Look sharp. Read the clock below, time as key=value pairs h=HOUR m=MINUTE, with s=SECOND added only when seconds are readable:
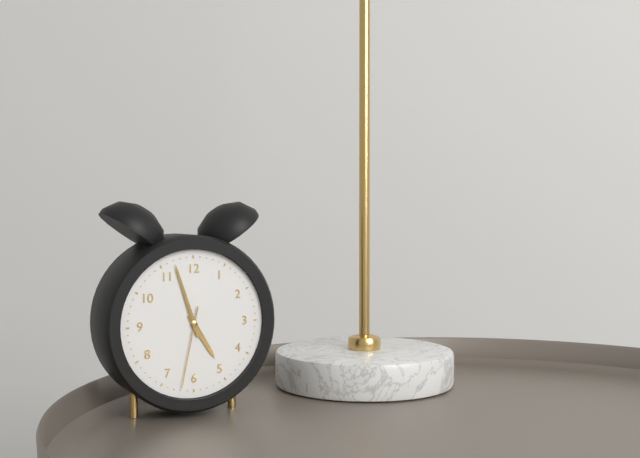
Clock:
h=4 m=57 s=32
